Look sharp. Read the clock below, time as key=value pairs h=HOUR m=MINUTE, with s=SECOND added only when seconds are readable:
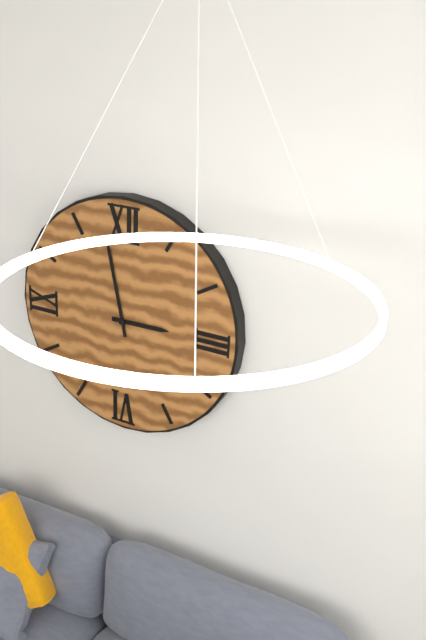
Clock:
h=2 m=58
